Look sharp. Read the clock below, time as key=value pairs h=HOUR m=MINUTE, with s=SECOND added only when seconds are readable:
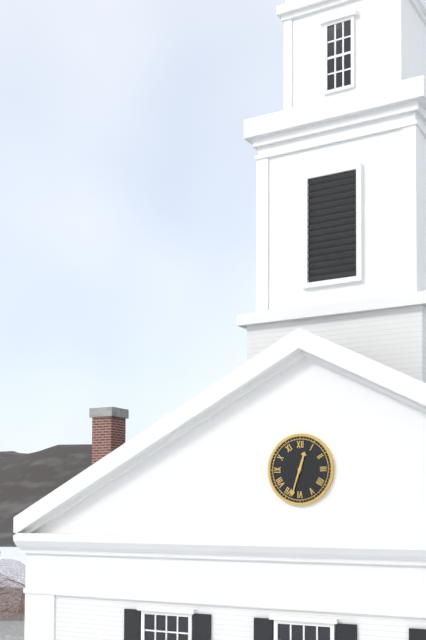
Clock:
h=12 m=33
